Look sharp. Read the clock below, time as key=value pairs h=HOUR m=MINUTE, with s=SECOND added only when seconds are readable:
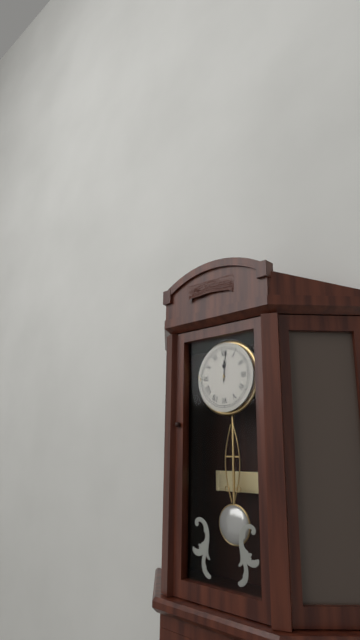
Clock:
h=12 m=1
